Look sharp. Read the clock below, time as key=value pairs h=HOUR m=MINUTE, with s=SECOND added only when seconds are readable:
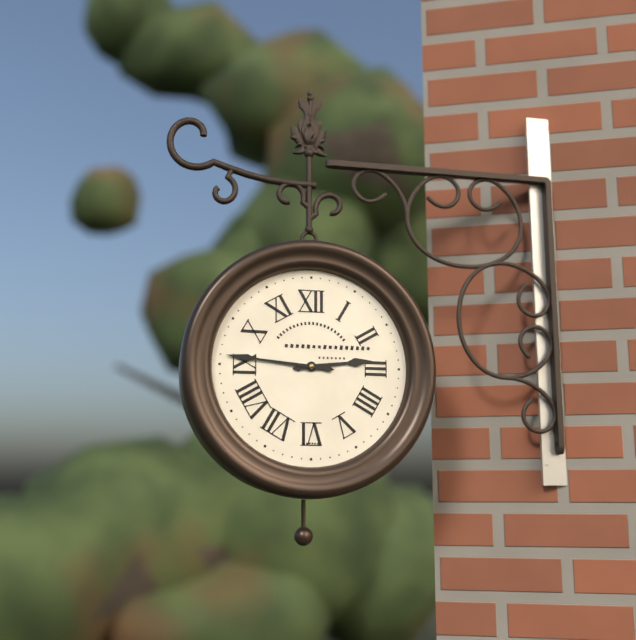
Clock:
h=2 m=46
